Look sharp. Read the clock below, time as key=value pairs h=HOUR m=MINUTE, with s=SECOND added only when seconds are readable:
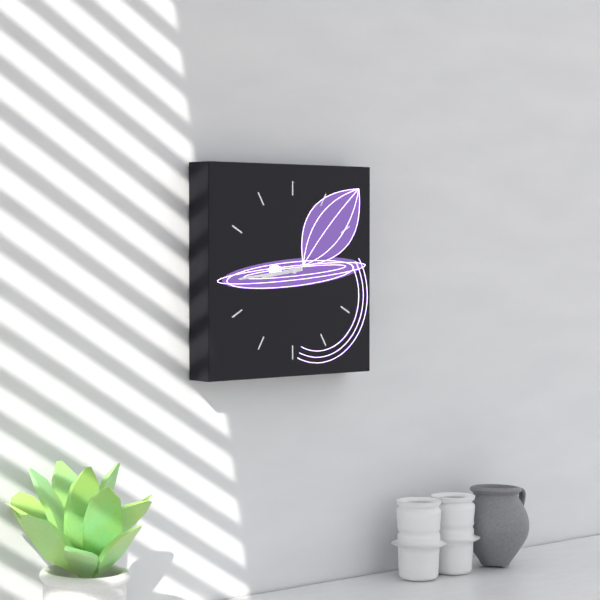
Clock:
h=8 m=44
